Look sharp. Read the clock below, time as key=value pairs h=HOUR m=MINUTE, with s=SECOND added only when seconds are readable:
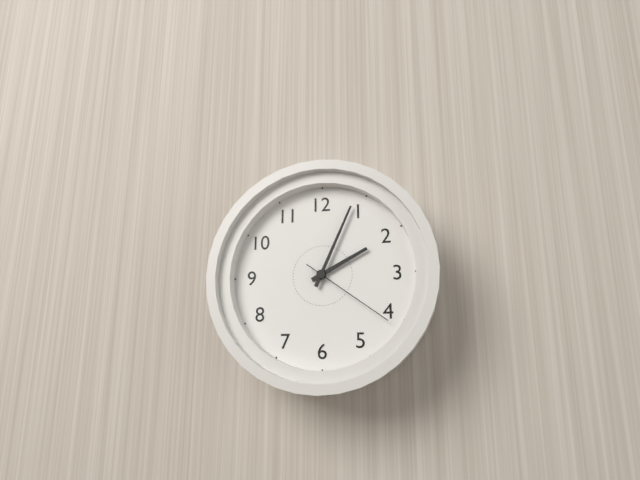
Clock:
h=2 m=4 s=21
